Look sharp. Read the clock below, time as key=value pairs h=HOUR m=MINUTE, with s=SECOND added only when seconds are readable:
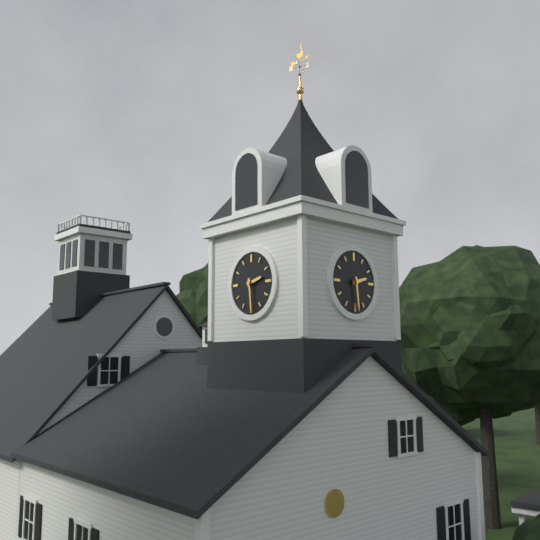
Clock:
h=2 m=29
